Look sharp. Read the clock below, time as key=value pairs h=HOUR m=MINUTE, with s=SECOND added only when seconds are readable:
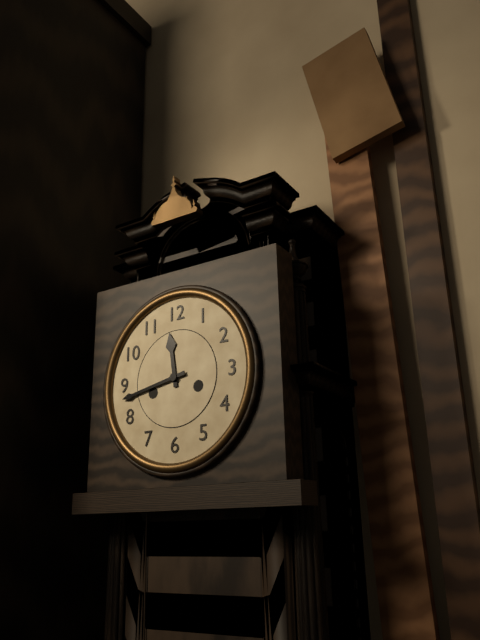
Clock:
h=11 m=43
